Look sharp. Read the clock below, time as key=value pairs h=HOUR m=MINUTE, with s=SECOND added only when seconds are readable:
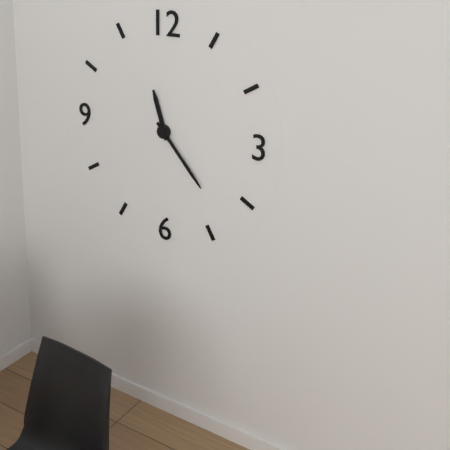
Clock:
h=11 m=23
